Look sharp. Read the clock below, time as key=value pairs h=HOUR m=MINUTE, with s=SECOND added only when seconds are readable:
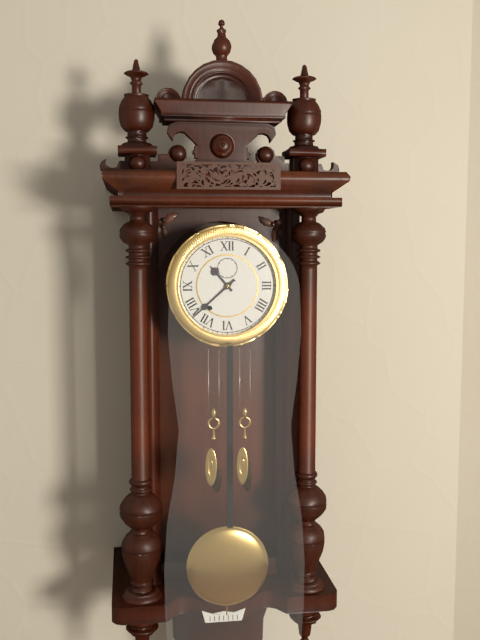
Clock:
h=10 m=38
